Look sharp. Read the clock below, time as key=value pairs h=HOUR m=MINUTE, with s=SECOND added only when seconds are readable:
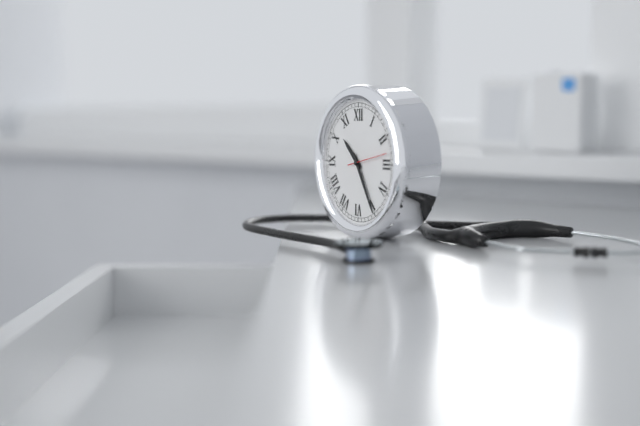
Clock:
h=10 m=25
